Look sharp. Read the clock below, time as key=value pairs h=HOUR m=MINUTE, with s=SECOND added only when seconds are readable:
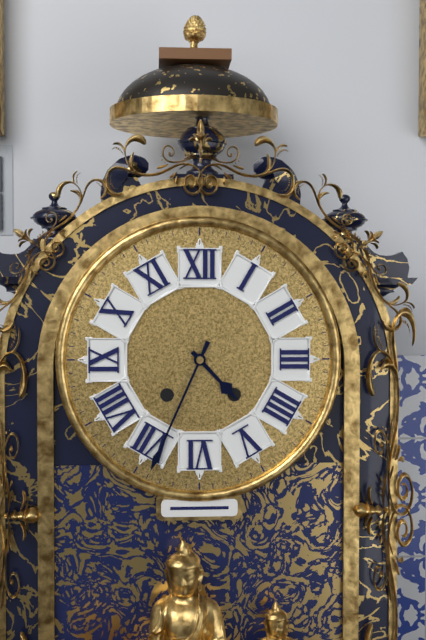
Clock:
h=4 m=34
